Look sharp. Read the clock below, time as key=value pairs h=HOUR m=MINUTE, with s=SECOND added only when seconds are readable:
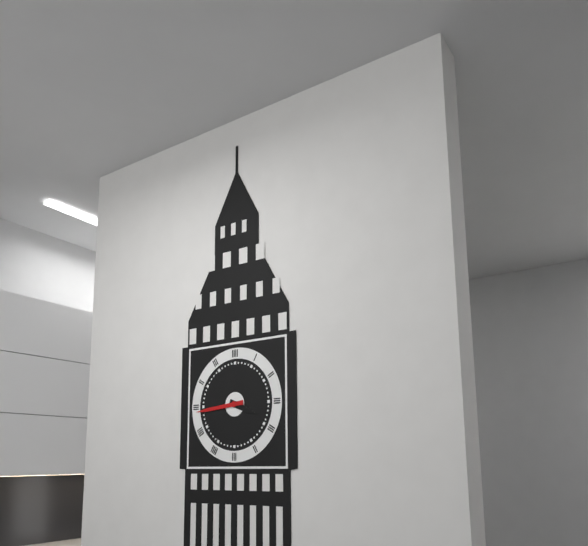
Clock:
h=3 m=44
